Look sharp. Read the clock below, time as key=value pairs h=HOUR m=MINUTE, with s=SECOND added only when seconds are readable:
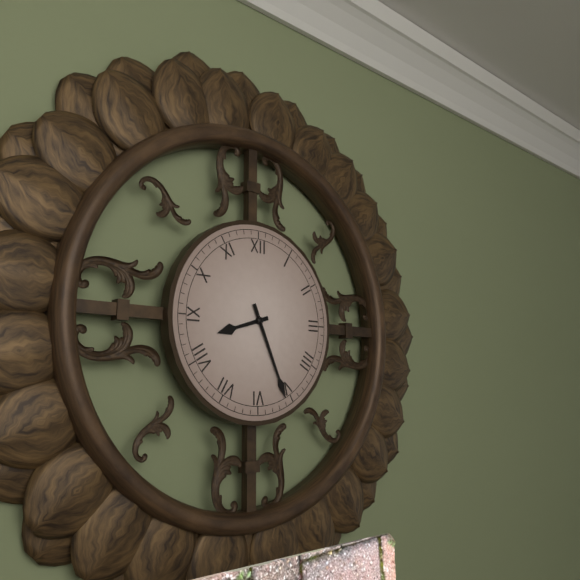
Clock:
h=8 m=26
